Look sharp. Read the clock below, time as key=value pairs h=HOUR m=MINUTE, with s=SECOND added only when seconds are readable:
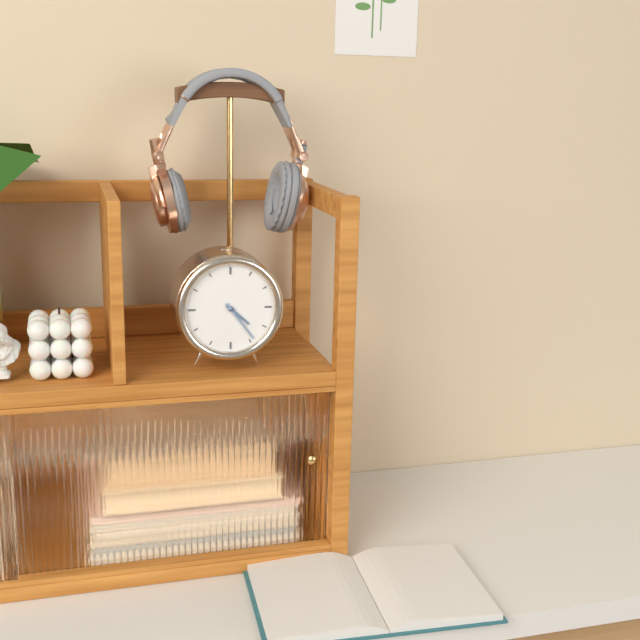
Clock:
h=4 m=24
